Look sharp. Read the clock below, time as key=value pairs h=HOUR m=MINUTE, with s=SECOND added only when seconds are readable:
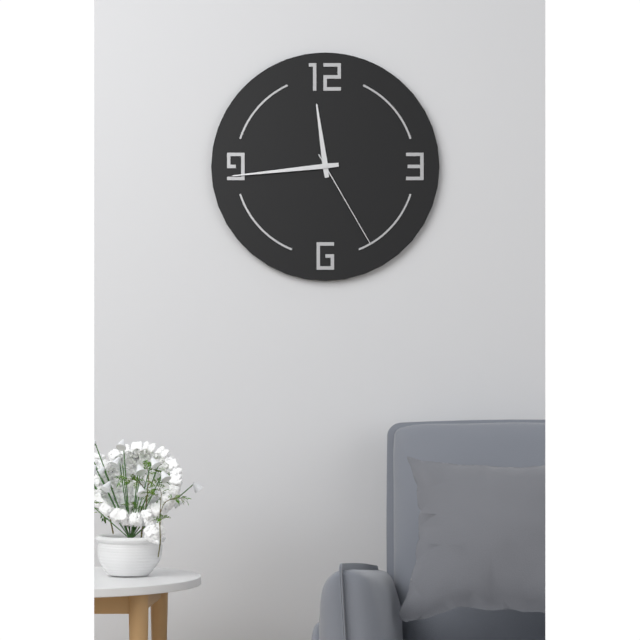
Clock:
h=11 m=44 s=25
